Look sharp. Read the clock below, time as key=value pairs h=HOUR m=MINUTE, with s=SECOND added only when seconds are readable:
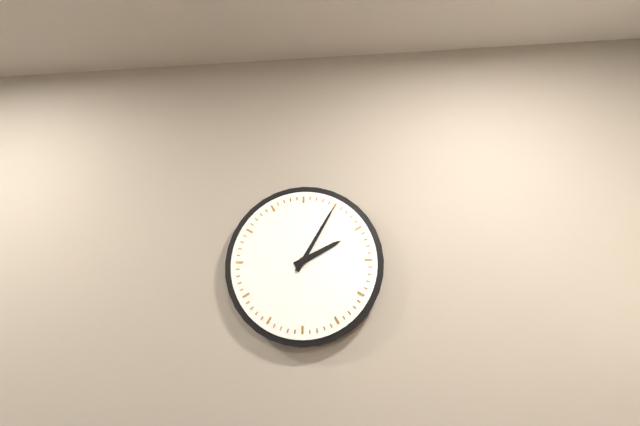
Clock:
h=2 m=5
